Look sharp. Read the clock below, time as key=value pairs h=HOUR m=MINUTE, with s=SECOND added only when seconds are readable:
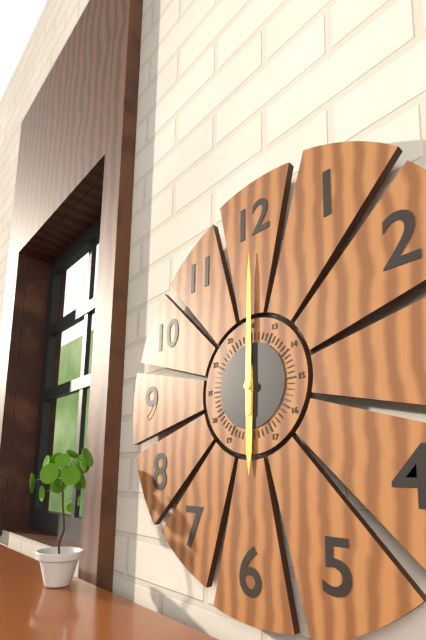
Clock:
h=6 m=0
